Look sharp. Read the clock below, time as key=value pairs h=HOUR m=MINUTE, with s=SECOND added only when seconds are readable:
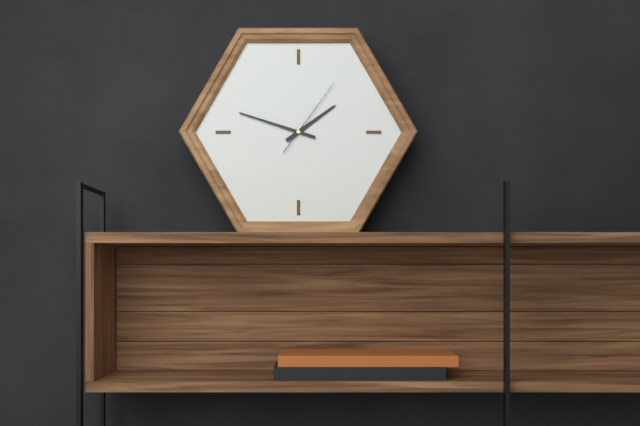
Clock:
h=1 m=48 s=6
